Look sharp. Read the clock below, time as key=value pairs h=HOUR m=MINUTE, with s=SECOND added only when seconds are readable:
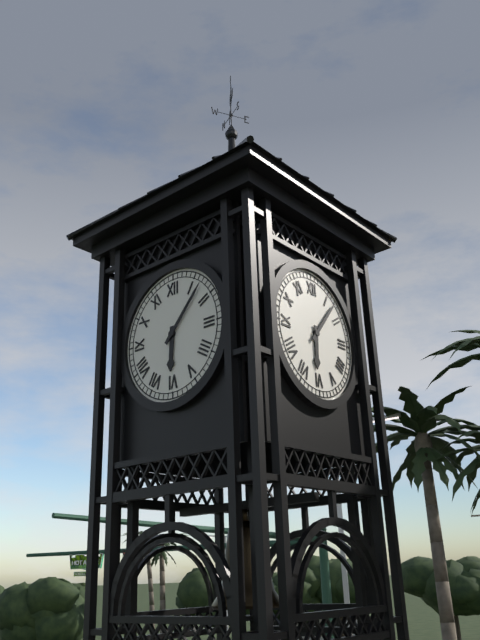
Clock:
h=6 m=7
